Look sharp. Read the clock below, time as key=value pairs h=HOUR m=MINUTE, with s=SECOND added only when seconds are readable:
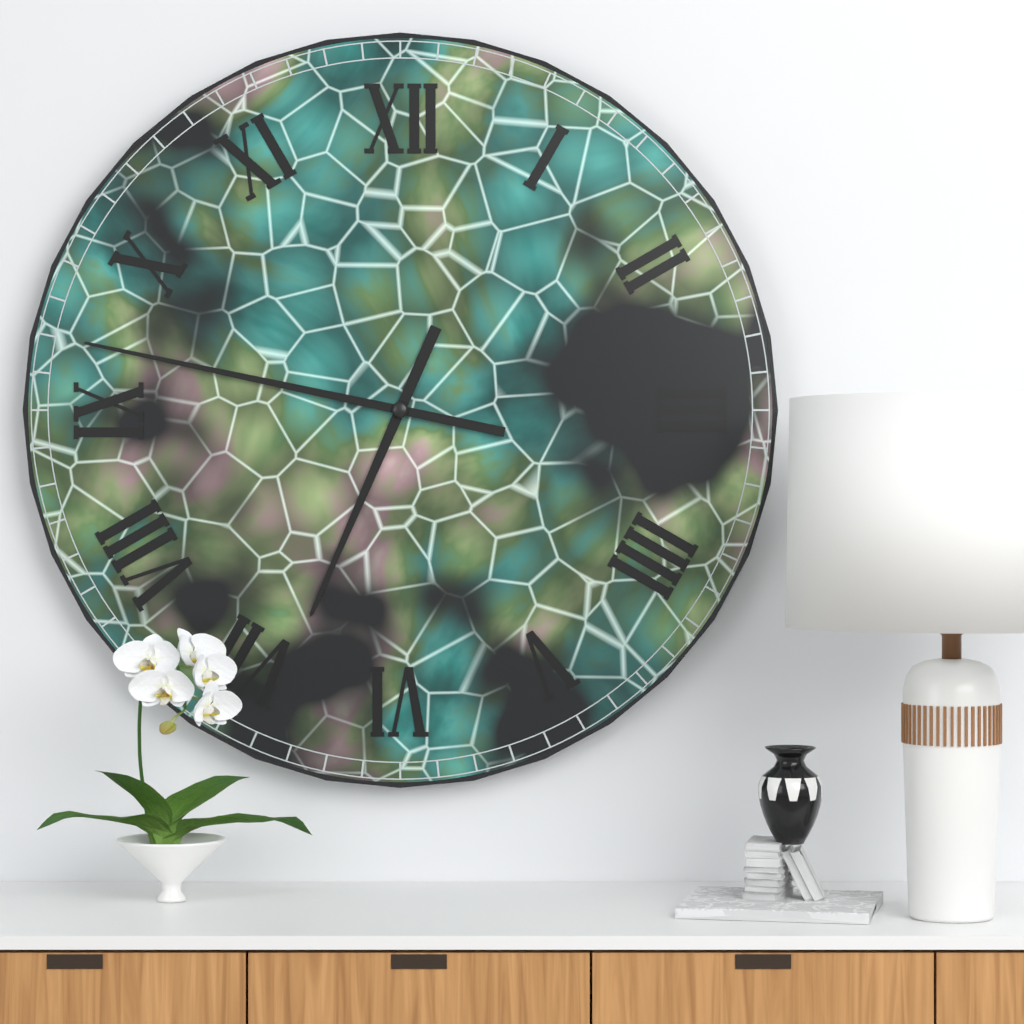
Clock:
h=6 m=47
